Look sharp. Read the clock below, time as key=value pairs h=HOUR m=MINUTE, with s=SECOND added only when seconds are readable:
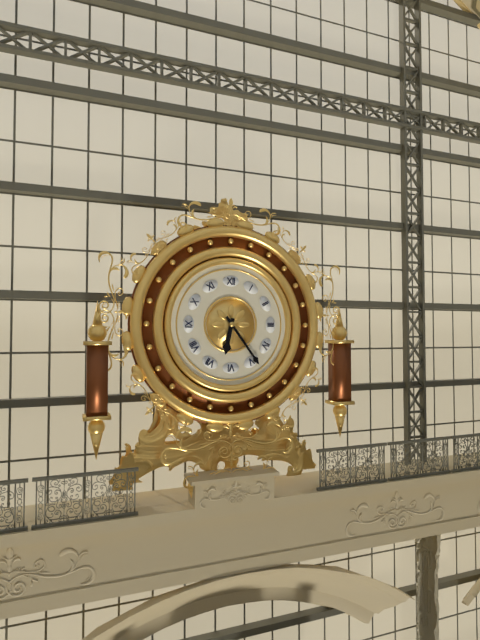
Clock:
h=6 m=24
